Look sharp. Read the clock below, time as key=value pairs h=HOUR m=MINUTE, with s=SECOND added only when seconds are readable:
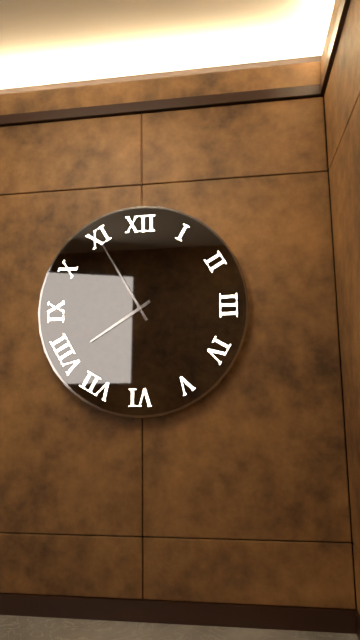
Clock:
h=7 m=55
